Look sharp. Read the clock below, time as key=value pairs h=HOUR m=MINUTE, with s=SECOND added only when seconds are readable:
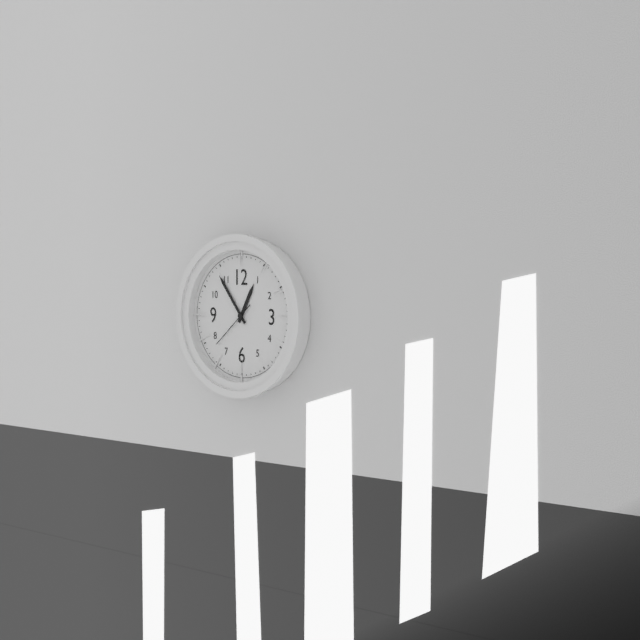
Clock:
h=12 m=54
